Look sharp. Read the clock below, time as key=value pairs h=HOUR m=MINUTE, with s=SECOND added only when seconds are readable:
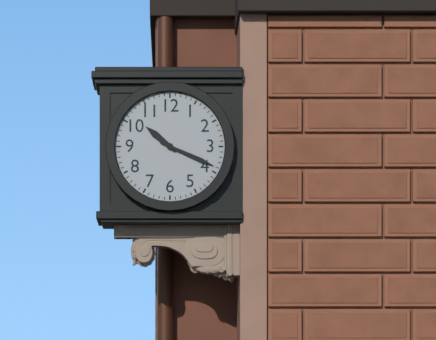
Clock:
h=10 m=19
